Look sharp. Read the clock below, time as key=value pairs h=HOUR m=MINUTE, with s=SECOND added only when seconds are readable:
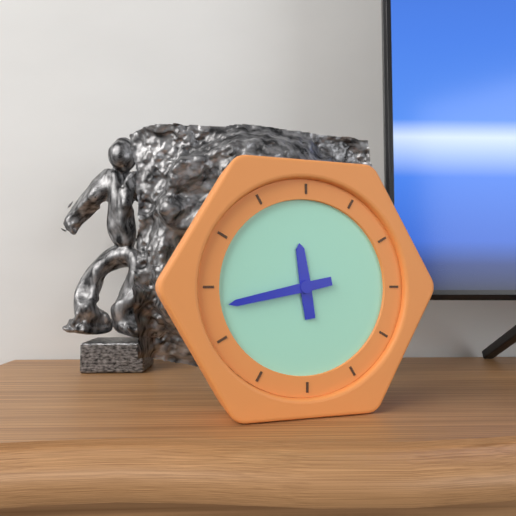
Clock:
h=11 m=43
